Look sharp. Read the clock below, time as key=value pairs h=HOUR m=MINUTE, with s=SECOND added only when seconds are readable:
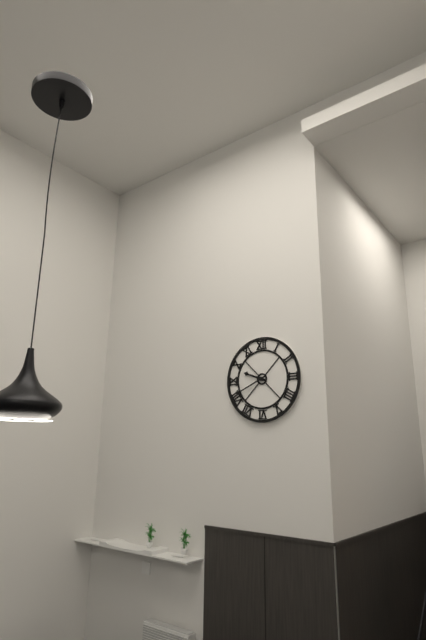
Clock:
h=9 m=41
